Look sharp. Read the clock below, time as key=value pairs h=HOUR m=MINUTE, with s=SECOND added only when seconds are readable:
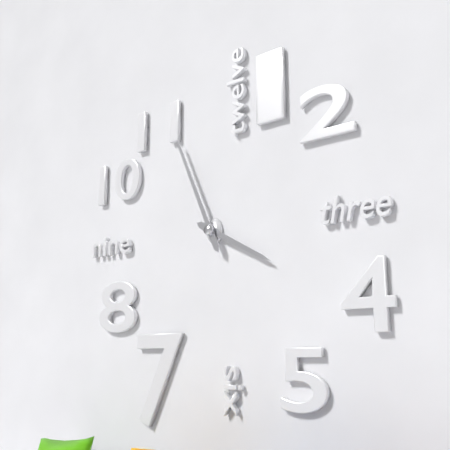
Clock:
h=3 m=56
